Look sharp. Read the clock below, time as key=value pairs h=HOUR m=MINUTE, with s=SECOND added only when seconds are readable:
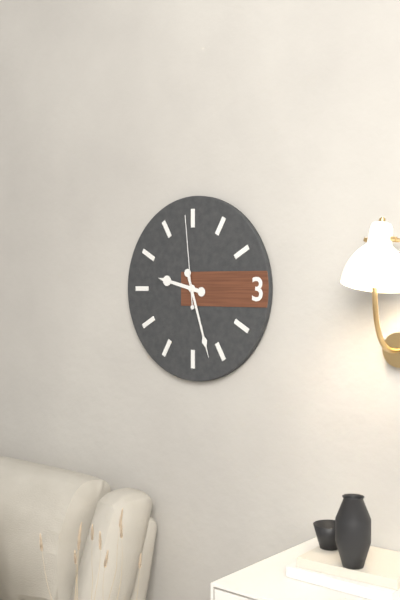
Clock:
h=9 m=27 s=59
